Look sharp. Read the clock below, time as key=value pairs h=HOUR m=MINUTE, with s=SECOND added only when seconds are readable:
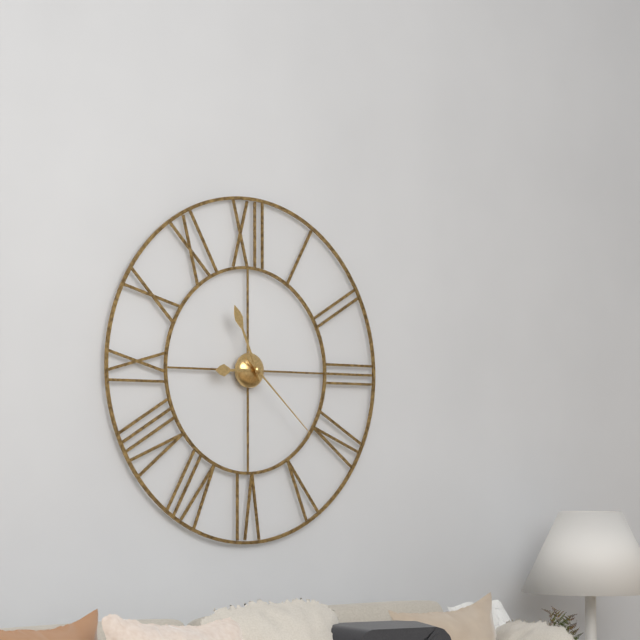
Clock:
h=8 m=56 s=22
